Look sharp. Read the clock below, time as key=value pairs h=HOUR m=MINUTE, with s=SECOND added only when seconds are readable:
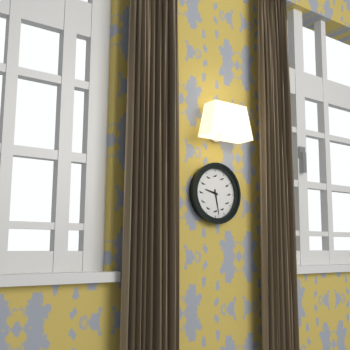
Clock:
h=9 m=28
